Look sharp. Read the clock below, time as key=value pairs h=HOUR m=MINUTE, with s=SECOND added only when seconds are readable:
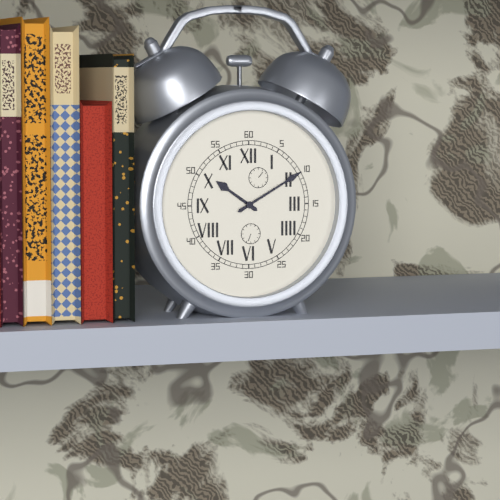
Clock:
h=10 m=10
